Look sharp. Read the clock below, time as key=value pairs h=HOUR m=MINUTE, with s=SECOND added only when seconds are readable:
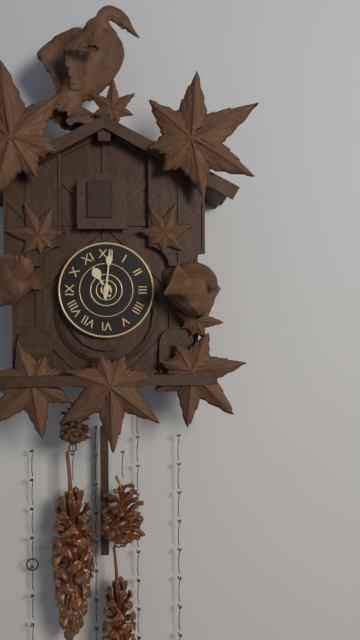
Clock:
h=11 m=1
